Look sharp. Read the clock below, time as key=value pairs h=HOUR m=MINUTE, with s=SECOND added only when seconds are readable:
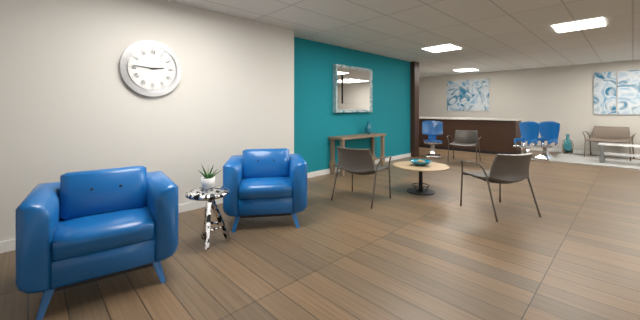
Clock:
h=2 m=46
